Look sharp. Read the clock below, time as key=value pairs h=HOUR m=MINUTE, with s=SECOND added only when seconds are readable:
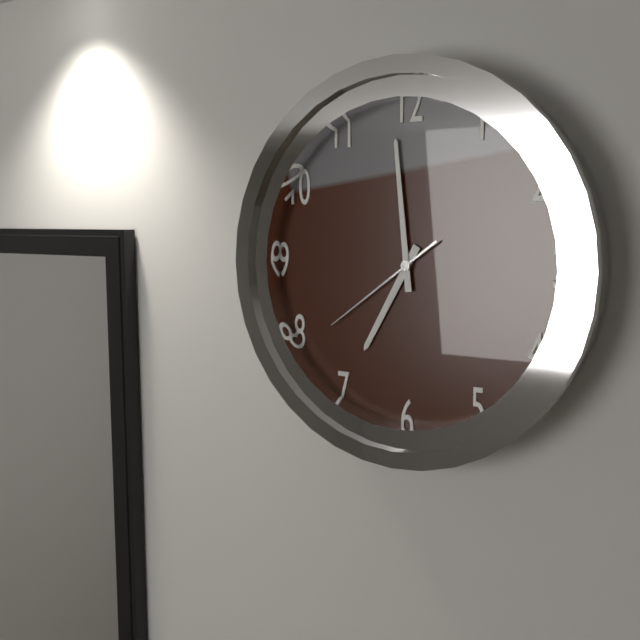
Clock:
h=6 m=59 s=39
